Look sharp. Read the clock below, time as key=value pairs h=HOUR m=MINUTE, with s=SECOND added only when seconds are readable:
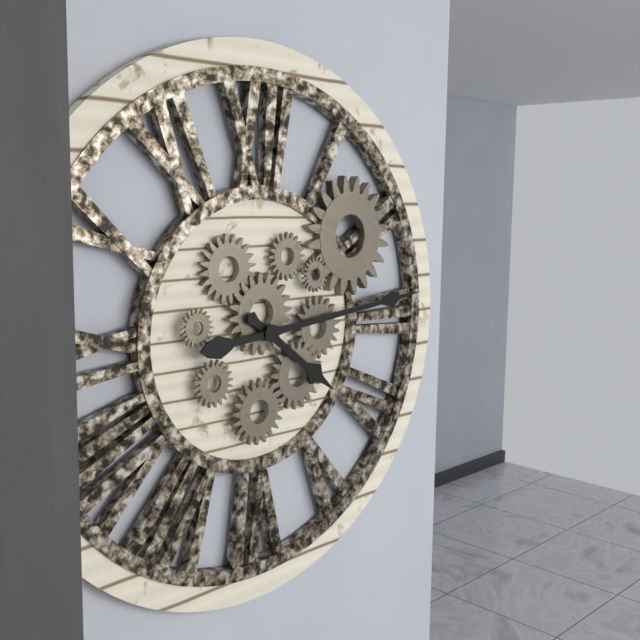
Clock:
h=4 m=14
